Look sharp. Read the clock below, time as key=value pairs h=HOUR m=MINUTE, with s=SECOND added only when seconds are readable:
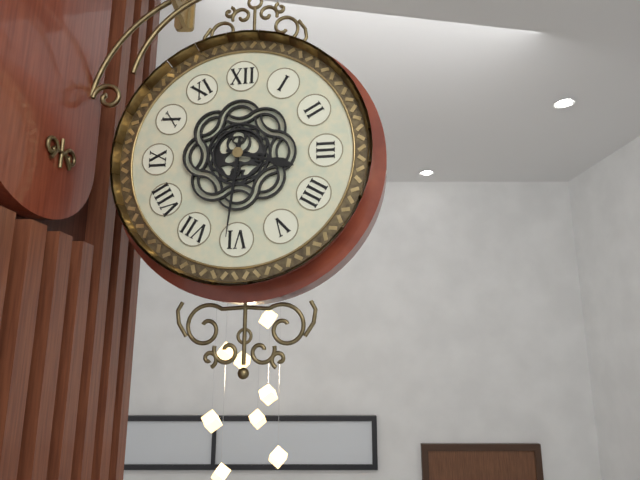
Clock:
h=3 m=31
